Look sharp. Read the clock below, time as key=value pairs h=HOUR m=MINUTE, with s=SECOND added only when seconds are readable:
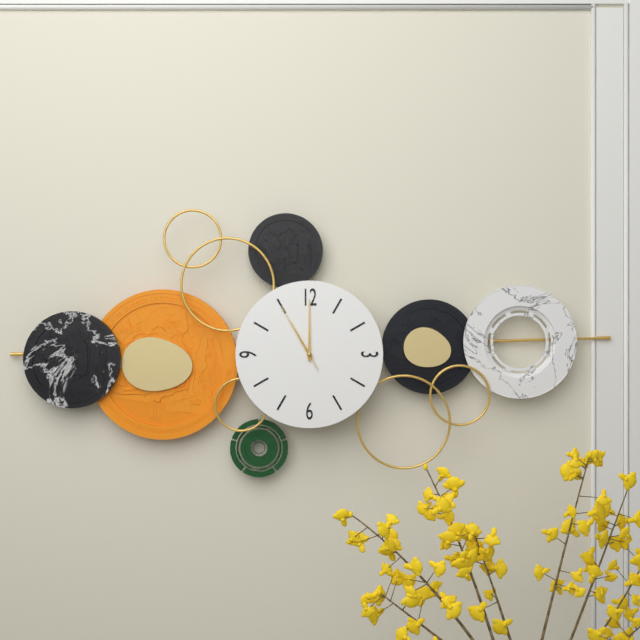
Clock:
h=11 m=0 s=55
